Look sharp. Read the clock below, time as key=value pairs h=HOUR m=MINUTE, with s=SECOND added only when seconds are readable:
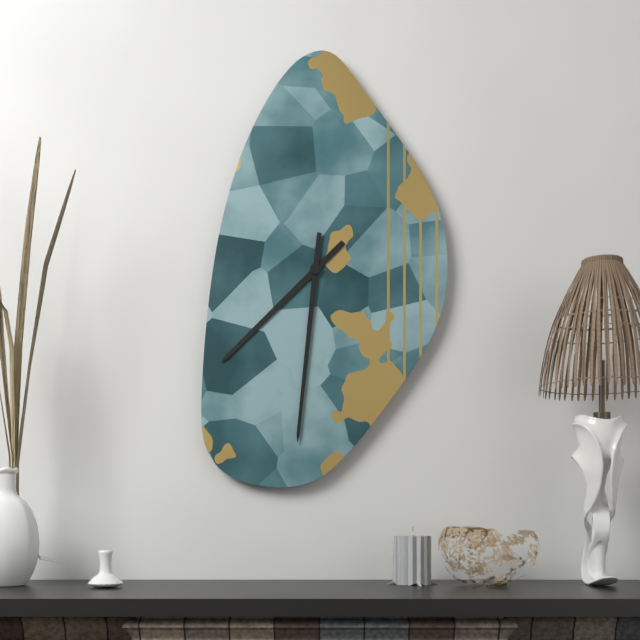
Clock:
h=7 m=31
